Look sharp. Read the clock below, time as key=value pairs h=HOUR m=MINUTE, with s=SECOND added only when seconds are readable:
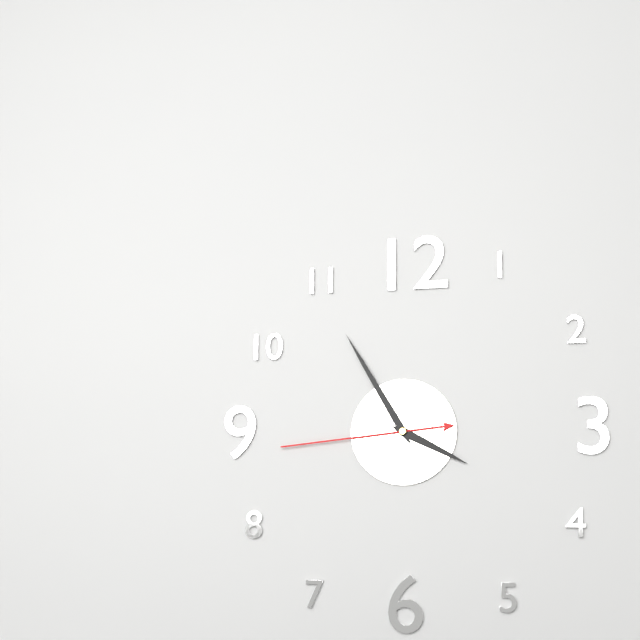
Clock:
h=3 m=55 s=44
